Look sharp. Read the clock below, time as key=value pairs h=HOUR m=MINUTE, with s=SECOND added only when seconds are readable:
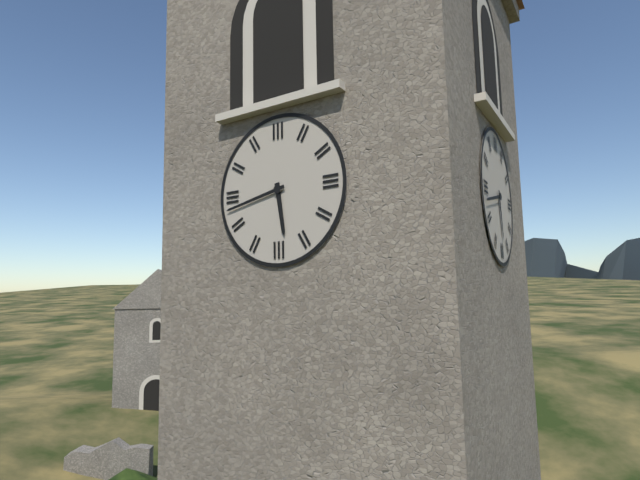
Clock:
h=5 m=43
